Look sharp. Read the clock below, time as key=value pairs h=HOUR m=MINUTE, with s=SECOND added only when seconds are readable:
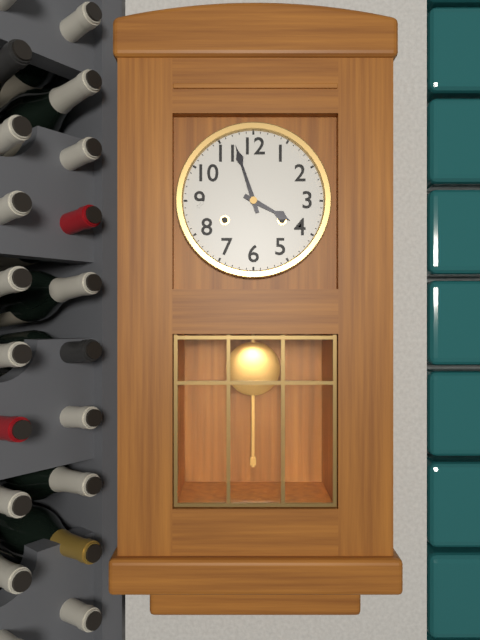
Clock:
h=3 m=57
